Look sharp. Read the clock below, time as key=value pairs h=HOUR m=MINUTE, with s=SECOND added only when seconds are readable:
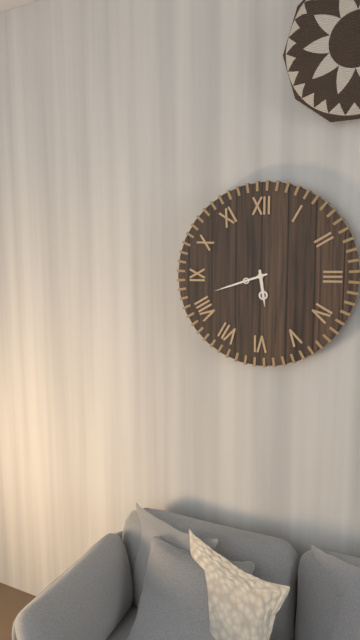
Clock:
h=5 m=42
